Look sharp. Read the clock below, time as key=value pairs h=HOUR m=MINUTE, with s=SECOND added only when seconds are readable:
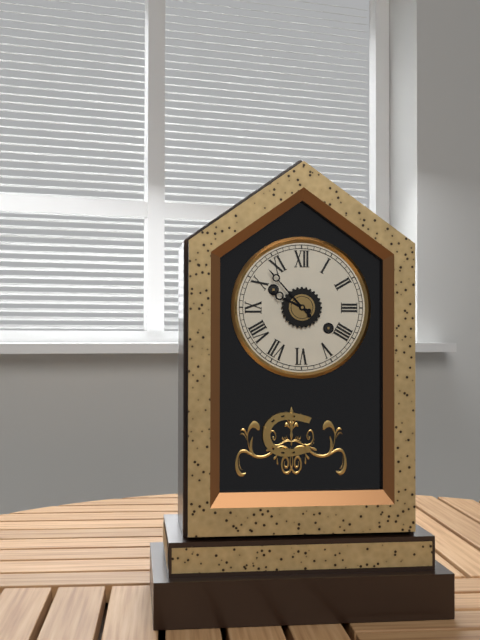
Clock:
h=9 m=53
